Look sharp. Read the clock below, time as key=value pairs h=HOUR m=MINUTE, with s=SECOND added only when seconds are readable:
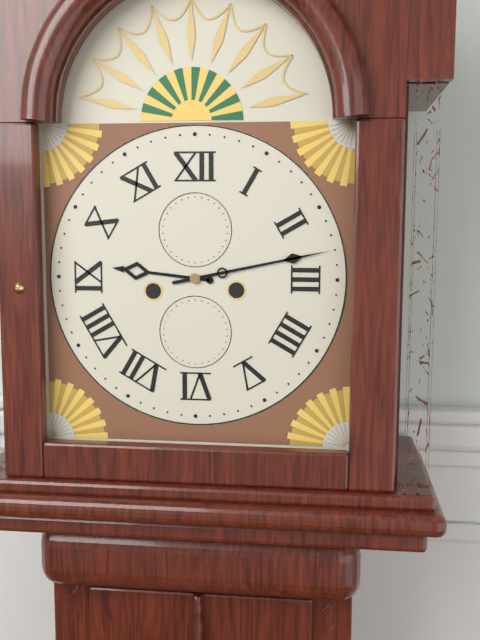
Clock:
h=9 m=13
